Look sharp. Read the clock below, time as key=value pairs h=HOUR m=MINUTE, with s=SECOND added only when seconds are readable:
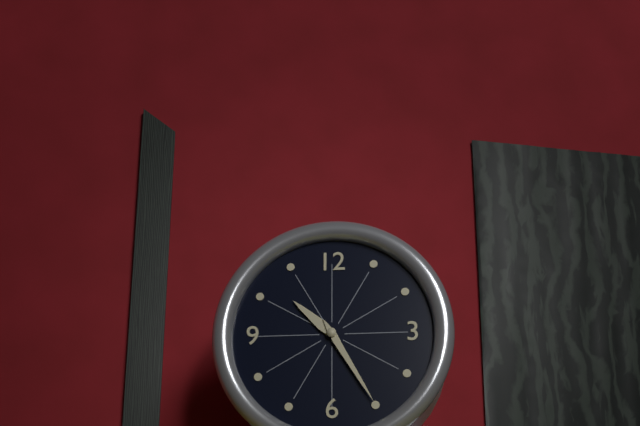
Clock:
h=10 m=25
